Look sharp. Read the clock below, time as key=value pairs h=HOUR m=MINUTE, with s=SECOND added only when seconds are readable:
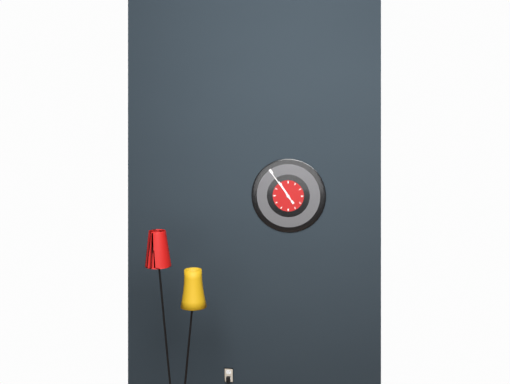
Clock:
h=10 m=54
